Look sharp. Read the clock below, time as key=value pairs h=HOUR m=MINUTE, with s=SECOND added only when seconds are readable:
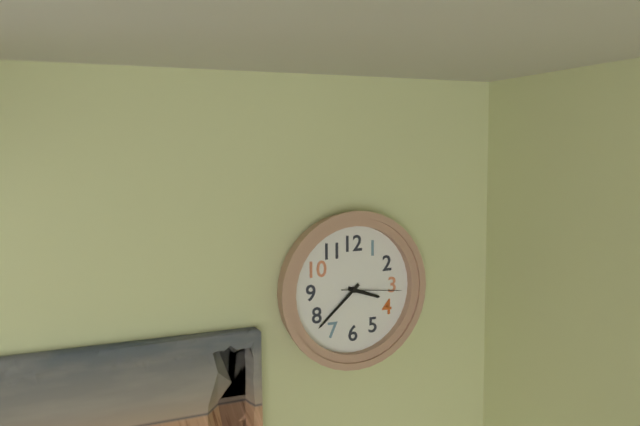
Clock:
h=3 m=38 s=16
